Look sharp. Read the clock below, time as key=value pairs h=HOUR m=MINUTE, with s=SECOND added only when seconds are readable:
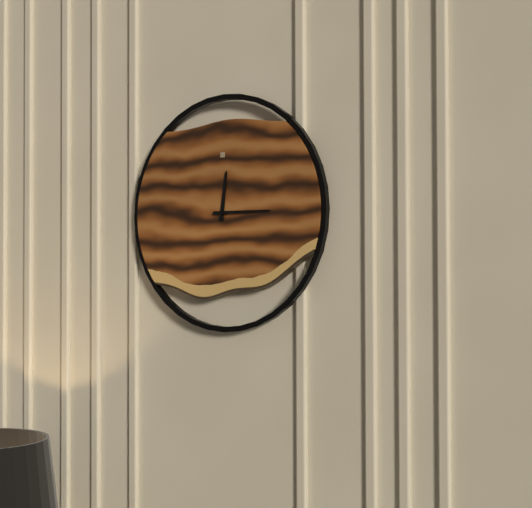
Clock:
h=12 m=15
